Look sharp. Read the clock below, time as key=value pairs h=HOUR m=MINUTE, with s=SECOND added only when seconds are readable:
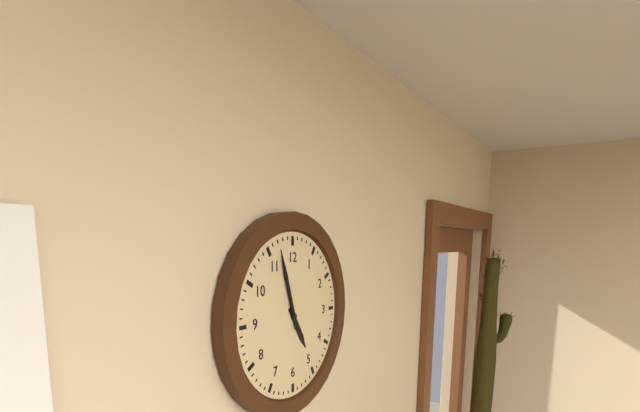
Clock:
h=4 m=57
